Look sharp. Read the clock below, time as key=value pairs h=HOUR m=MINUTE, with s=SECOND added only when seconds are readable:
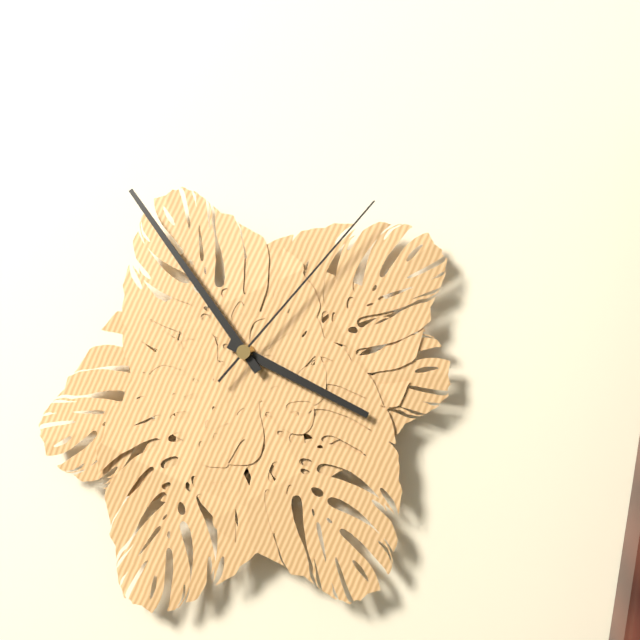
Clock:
h=3 m=54 s=7
